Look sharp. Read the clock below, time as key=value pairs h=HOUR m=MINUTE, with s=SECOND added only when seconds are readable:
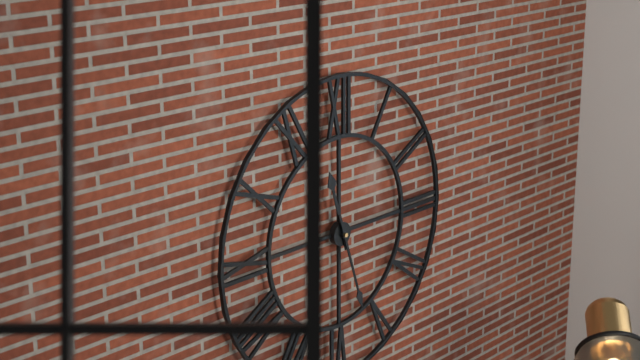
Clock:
h=11 m=27
